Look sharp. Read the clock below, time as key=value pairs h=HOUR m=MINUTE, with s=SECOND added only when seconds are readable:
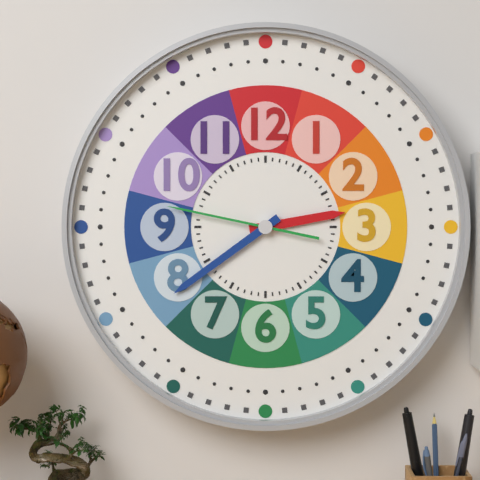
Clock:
h=2 m=39 s=47
